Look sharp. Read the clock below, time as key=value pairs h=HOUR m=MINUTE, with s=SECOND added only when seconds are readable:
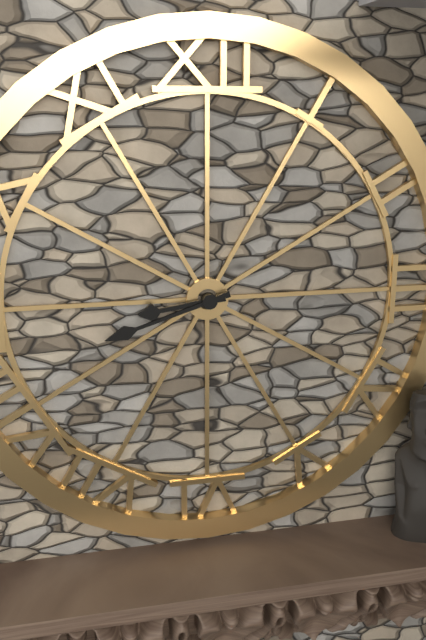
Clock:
h=8 m=42
